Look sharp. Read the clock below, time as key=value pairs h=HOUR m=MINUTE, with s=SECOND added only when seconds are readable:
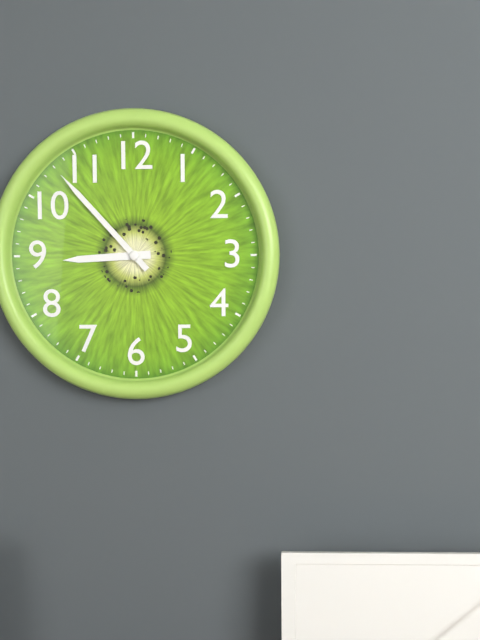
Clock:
h=8 m=53
